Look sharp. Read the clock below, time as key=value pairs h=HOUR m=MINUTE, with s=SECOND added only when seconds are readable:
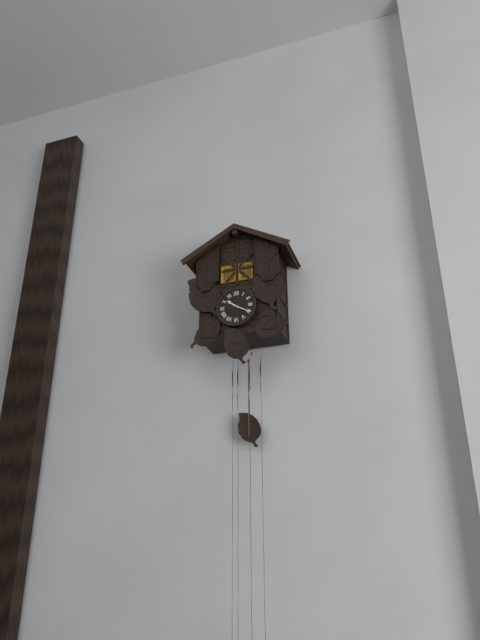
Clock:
h=10 m=20
